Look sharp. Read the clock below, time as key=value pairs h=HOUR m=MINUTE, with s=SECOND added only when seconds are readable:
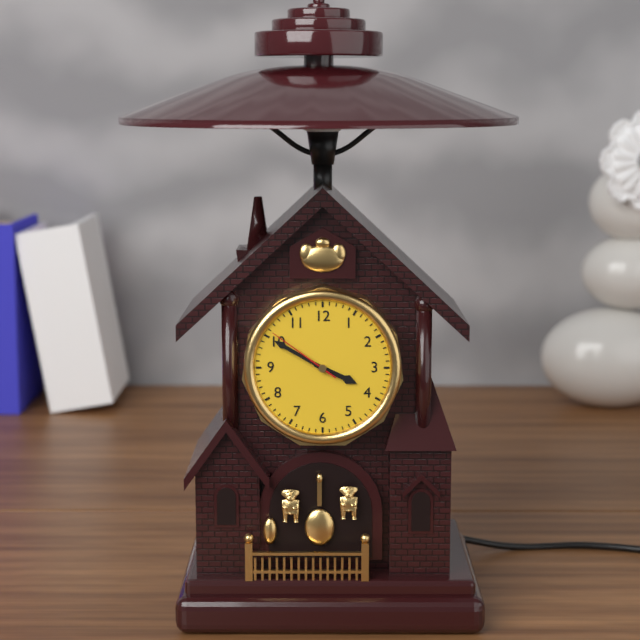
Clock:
h=3 m=50 s=51
